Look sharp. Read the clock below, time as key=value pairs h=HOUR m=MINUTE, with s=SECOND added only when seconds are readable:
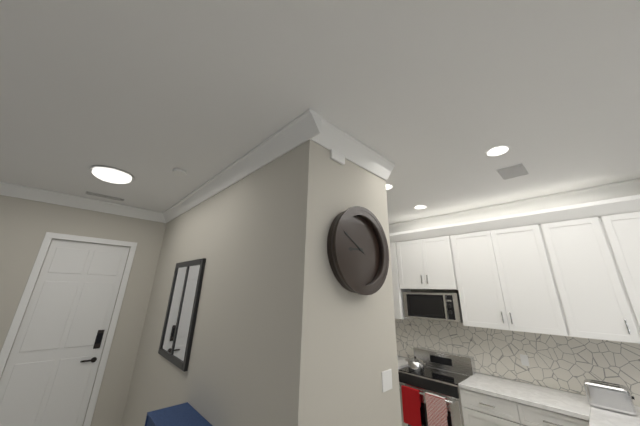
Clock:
h=8 m=50
